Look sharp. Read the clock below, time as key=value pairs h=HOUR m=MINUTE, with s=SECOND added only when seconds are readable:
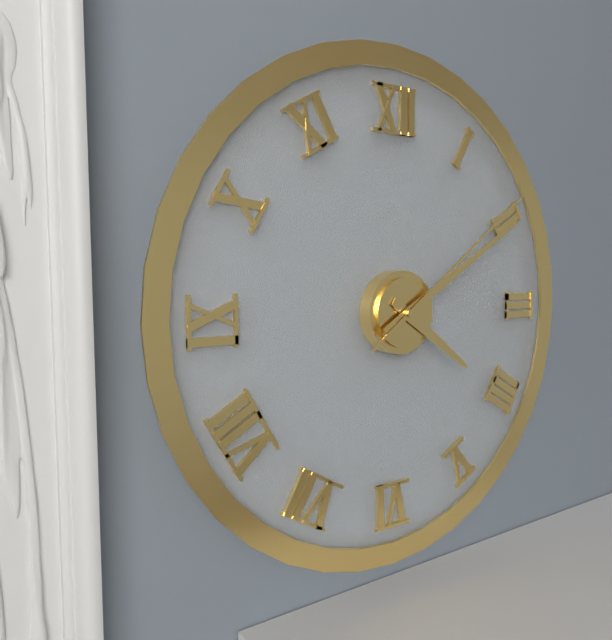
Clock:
h=4 m=10 s=9
